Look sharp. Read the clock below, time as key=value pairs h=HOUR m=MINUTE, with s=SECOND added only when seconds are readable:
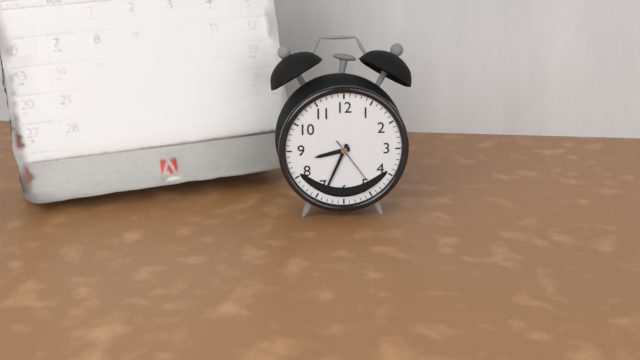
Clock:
h=8 m=34 s=24
